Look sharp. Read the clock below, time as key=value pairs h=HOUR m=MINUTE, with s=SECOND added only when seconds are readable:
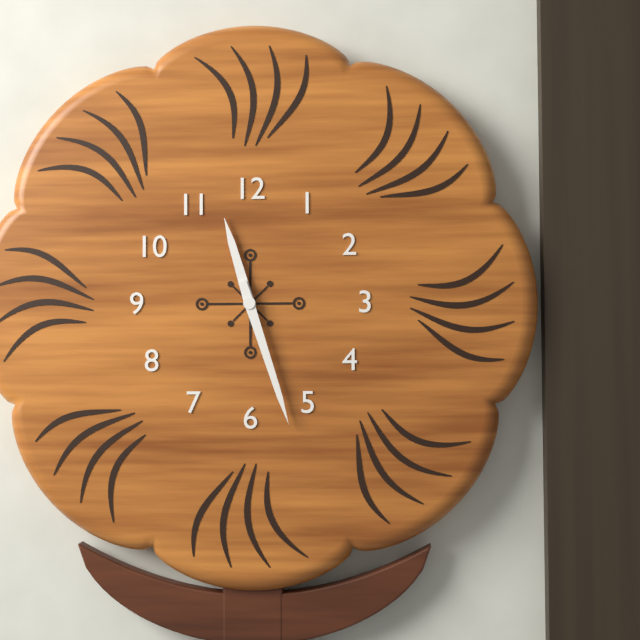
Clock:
h=11 m=27
